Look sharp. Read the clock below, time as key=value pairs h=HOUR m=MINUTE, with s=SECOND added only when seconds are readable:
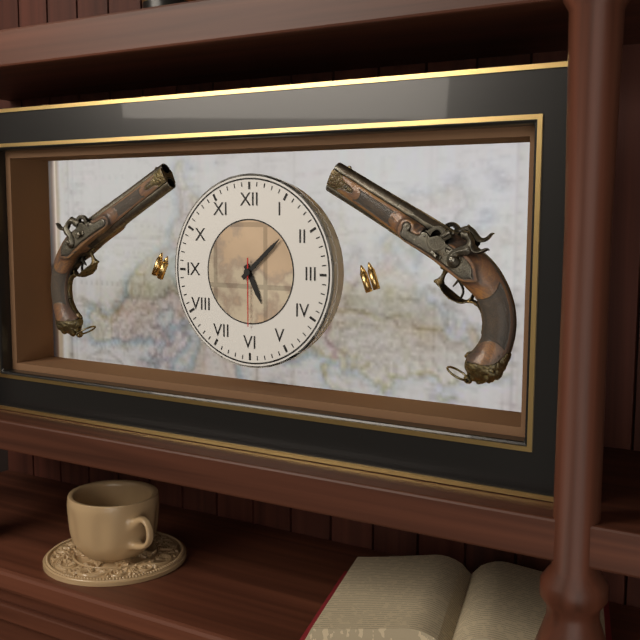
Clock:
h=5 m=8 s=30
